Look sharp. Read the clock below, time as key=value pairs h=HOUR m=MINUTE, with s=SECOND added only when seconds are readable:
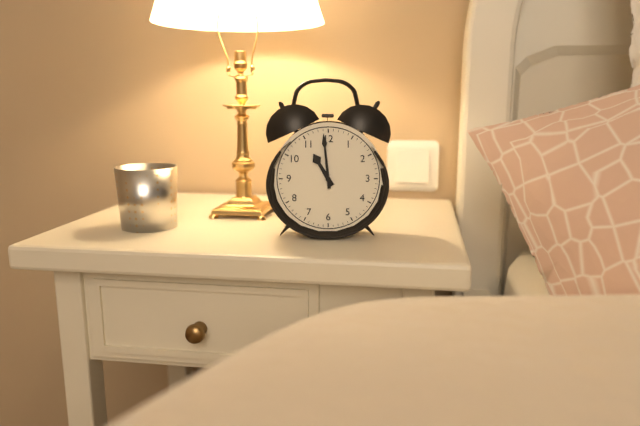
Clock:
h=10 m=59
